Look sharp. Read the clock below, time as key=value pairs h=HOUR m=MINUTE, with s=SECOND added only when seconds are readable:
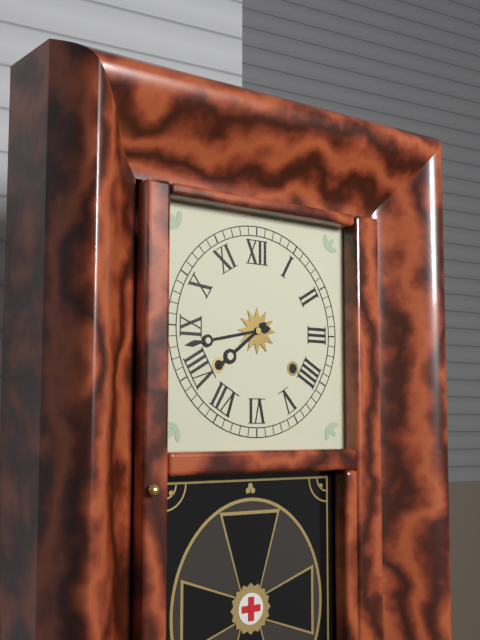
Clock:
h=7 m=43
